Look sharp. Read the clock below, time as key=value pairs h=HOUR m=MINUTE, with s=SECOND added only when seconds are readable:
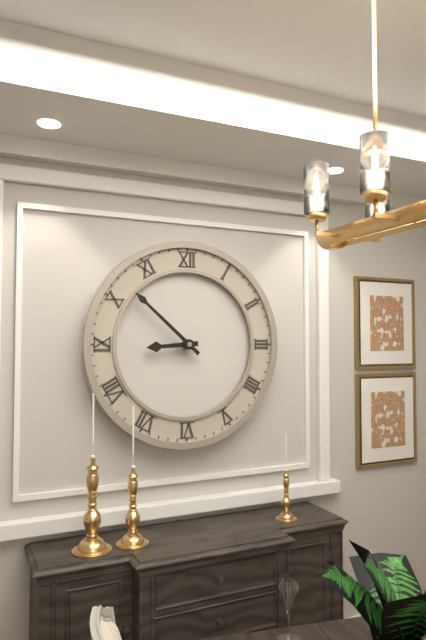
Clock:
h=8 m=52
